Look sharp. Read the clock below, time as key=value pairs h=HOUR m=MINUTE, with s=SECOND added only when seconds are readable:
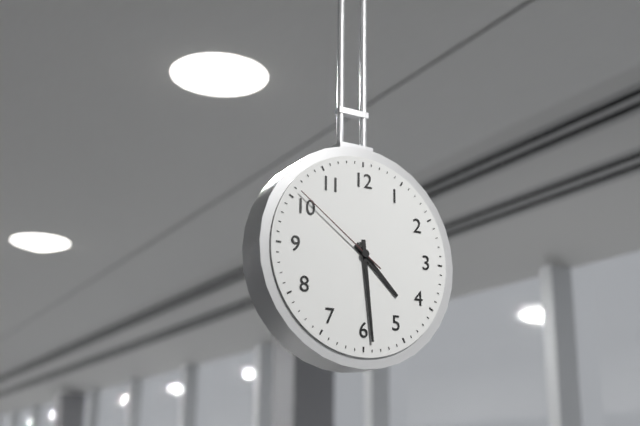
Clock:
h=4 m=29 s=51
